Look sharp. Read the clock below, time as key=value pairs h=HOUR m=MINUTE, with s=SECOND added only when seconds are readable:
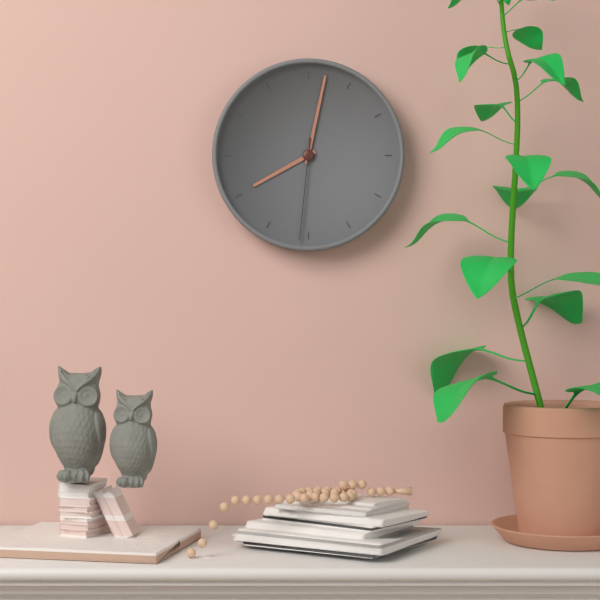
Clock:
h=8 m=2 s=31
